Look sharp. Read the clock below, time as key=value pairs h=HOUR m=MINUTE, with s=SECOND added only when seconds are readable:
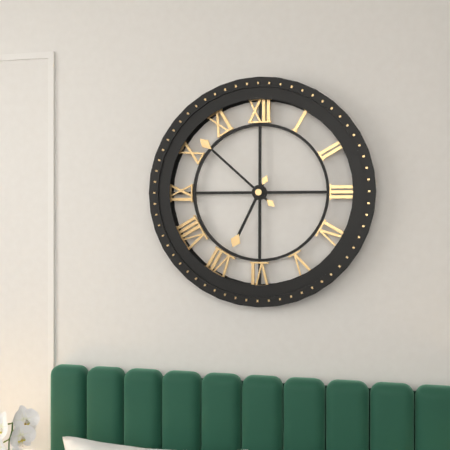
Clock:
h=6 m=52
